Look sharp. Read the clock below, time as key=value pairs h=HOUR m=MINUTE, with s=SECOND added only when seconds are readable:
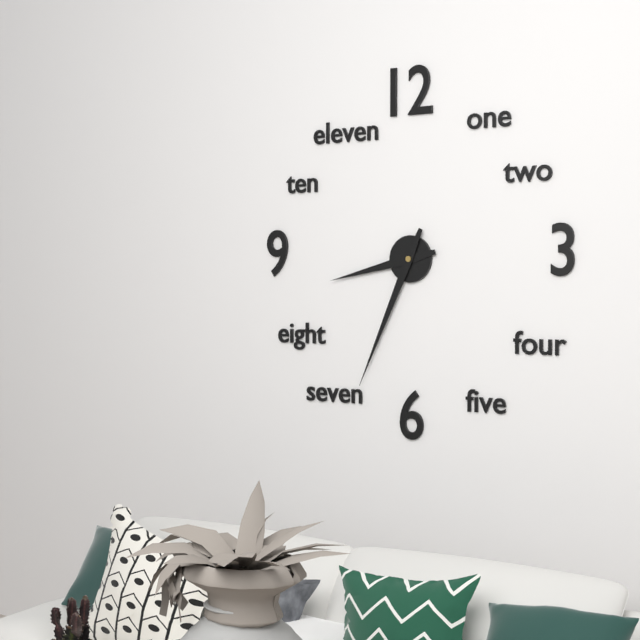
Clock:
h=8 m=34
